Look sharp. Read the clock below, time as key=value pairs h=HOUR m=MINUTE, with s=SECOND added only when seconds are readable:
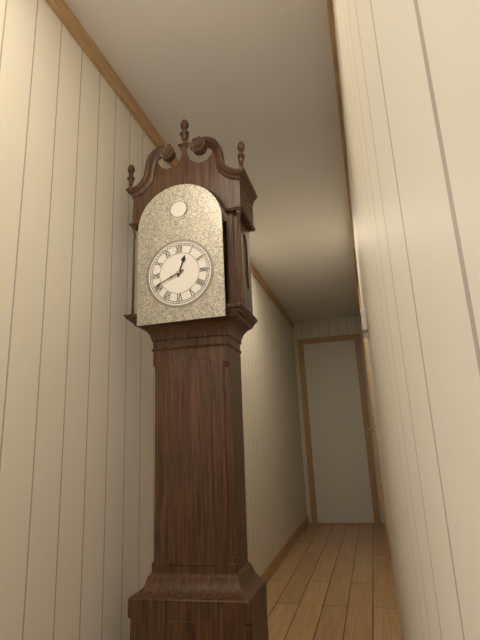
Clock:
h=12 m=41
